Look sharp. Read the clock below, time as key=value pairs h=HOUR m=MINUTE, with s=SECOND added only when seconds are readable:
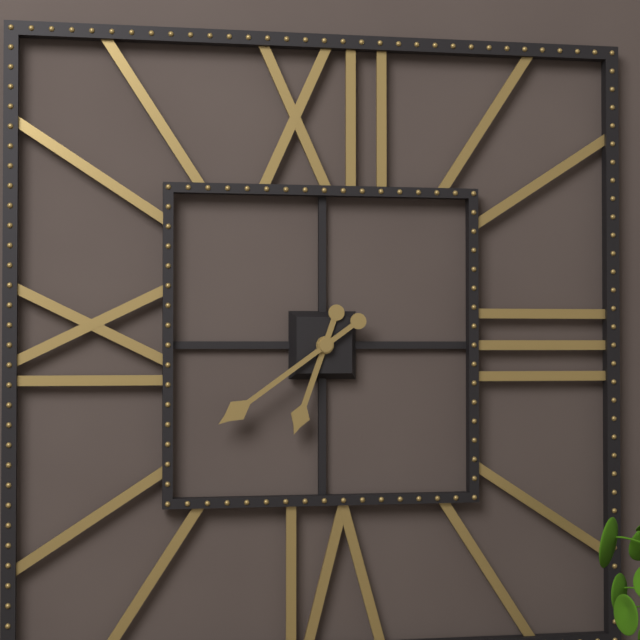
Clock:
h=6 m=39
